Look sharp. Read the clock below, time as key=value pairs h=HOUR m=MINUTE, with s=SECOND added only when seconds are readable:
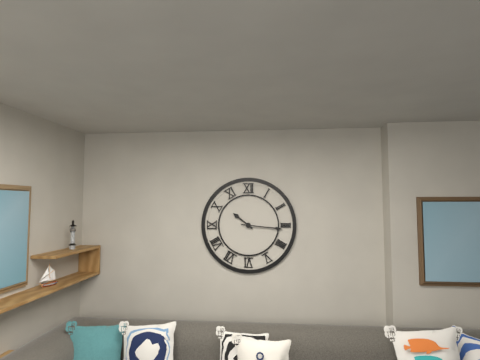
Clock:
h=10 m=16
